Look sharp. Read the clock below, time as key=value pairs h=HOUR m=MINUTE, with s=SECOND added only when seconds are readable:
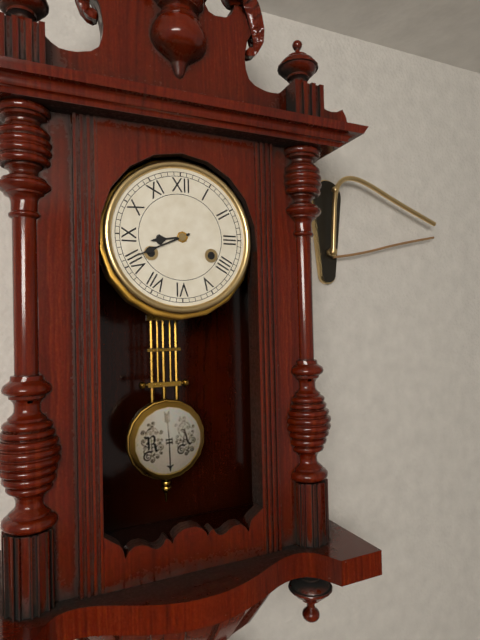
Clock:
h=8 m=41
